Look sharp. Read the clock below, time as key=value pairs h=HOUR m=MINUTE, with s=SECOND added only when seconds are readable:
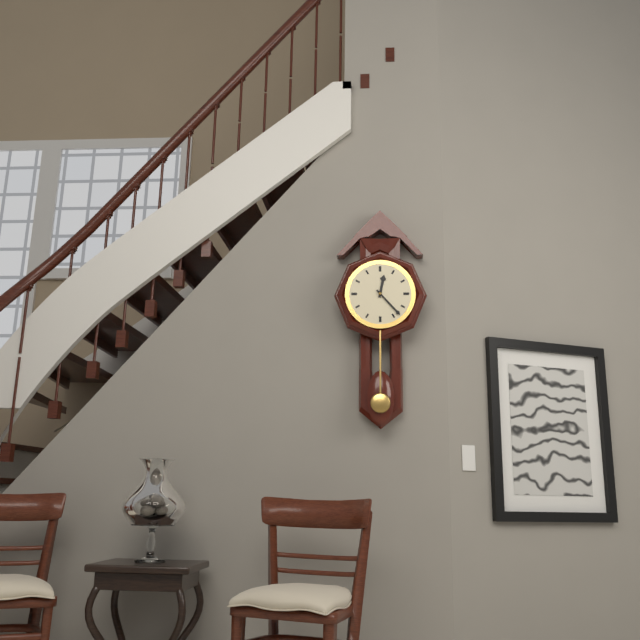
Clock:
h=12 m=23
